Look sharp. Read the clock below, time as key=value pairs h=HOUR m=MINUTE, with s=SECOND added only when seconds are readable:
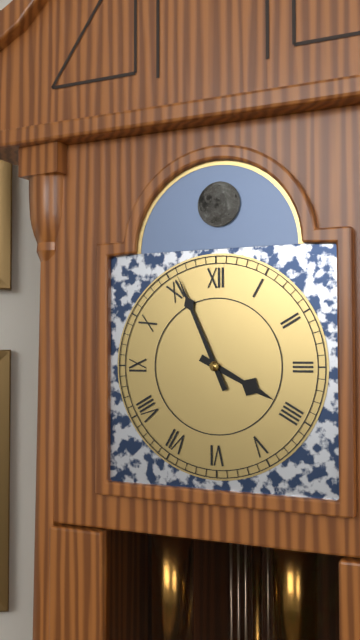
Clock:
h=3 m=56
